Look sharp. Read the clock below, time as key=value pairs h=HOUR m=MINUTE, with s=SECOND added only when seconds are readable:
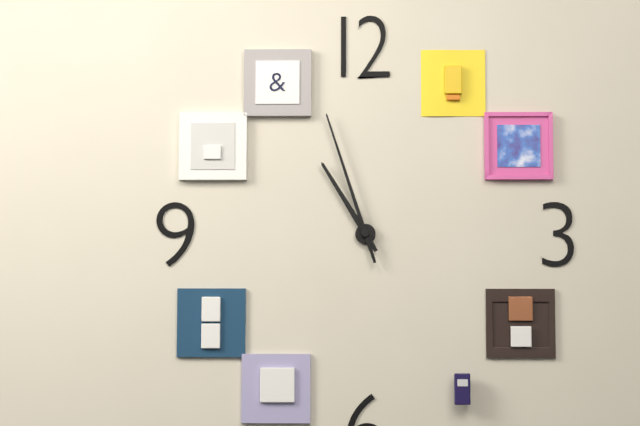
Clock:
h=10 m=57
